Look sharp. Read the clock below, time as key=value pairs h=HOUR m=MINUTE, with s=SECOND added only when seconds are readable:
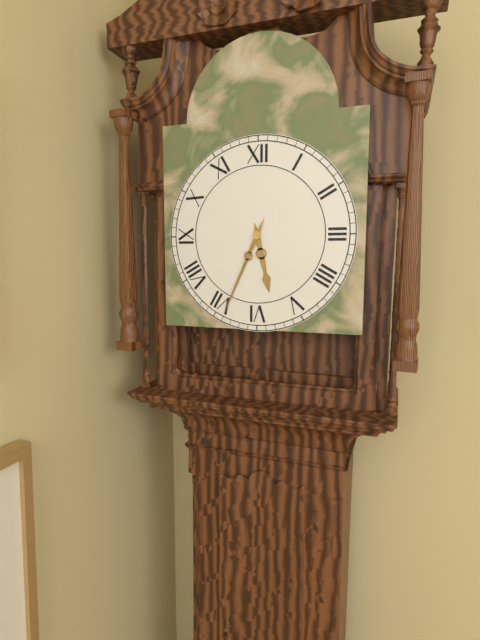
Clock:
h=5 m=34
